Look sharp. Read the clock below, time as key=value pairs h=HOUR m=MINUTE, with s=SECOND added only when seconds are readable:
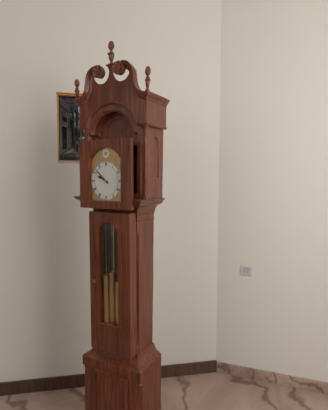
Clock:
h=9 m=52
